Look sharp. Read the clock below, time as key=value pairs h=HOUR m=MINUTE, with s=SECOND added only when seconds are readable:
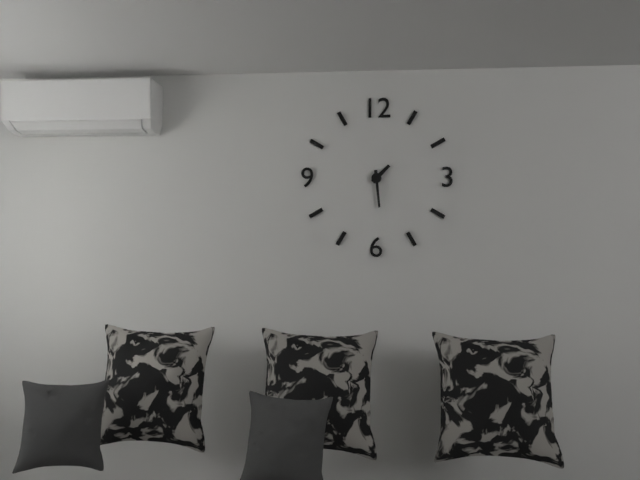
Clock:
h=1 m=29
